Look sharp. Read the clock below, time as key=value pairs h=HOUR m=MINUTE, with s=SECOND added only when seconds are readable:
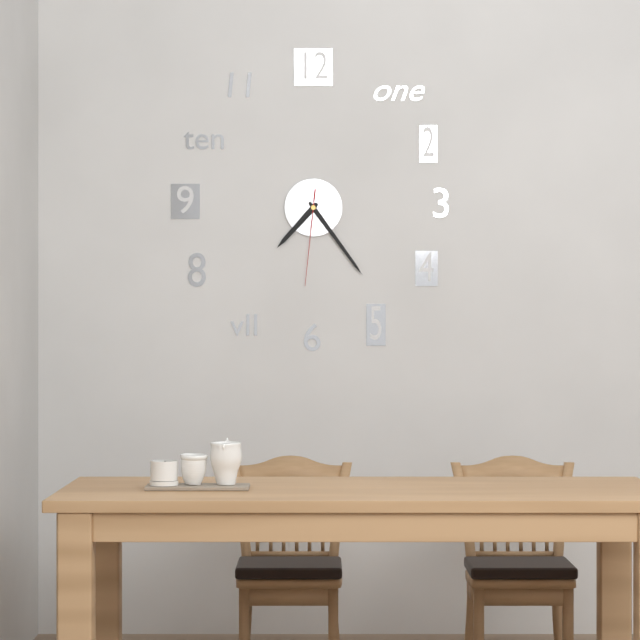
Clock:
h=7 m=24 s=31
